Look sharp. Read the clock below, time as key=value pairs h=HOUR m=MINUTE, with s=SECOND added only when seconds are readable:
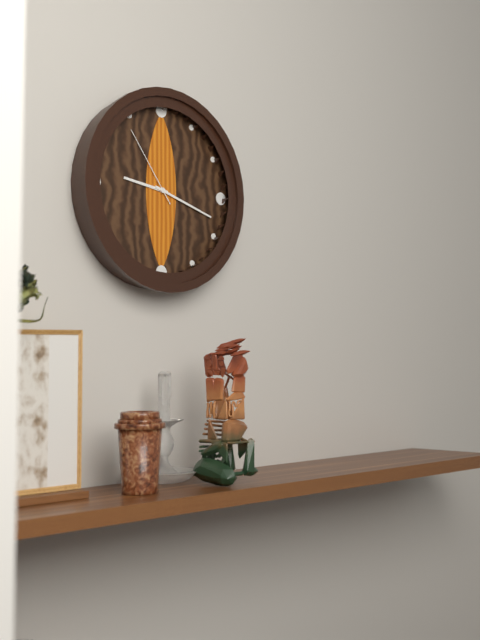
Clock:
h=9 m=18 s=54
